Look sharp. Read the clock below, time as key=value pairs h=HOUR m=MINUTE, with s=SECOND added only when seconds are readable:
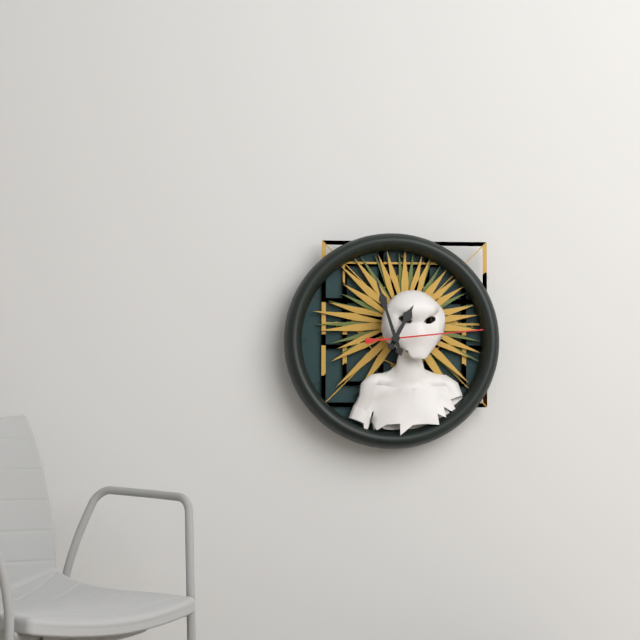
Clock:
h=12 m=57 s=14
